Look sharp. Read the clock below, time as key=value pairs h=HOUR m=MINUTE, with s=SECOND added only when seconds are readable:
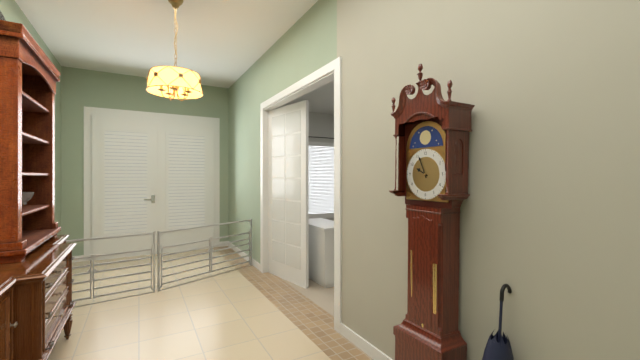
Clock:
h=9 m=56
